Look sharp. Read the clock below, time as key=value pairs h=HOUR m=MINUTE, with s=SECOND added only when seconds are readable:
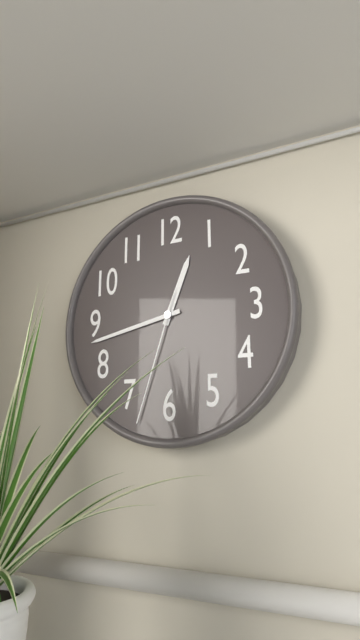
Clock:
h=12 m=43 s=33
